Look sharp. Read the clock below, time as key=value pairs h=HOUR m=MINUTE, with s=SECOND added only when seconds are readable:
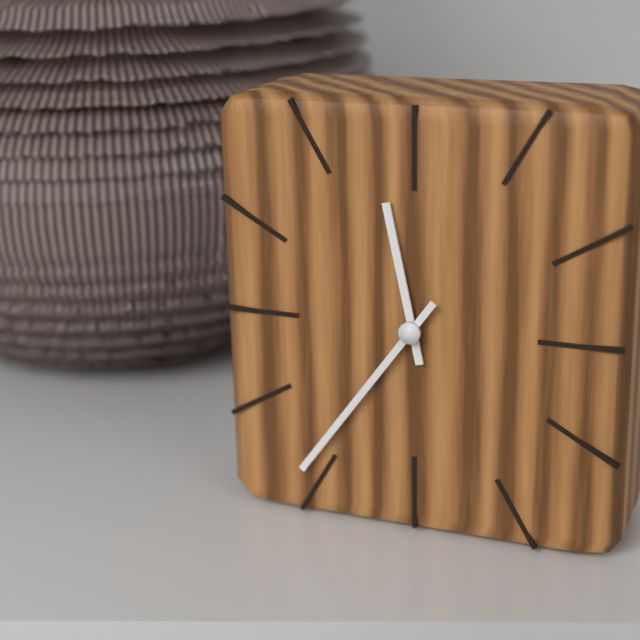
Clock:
h=11 m=36
